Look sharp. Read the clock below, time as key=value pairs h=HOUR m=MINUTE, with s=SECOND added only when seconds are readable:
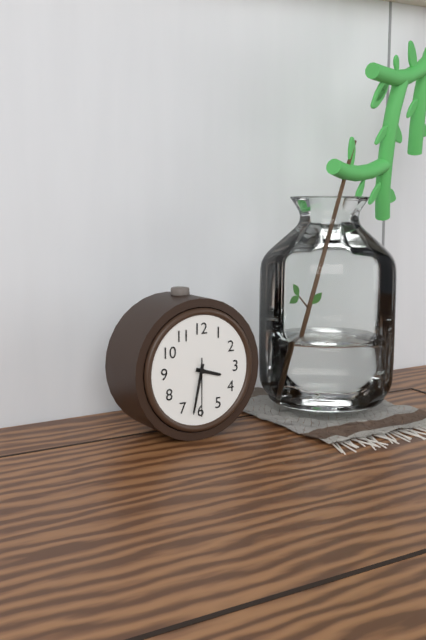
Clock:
h=3 m=32 s=30
